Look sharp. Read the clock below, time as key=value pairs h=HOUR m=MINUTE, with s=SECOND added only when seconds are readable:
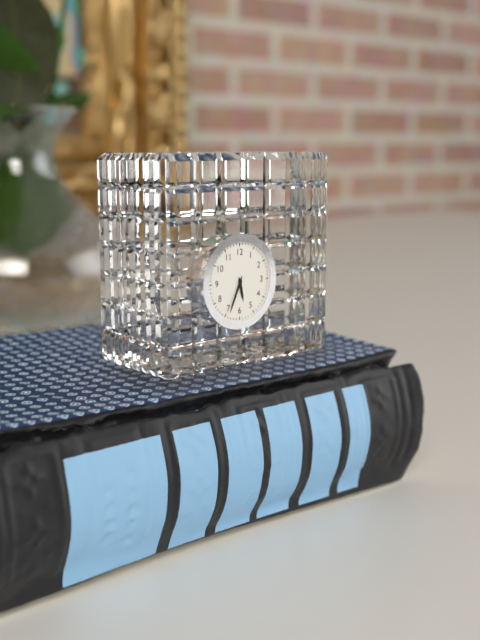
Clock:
h=5 m=34
